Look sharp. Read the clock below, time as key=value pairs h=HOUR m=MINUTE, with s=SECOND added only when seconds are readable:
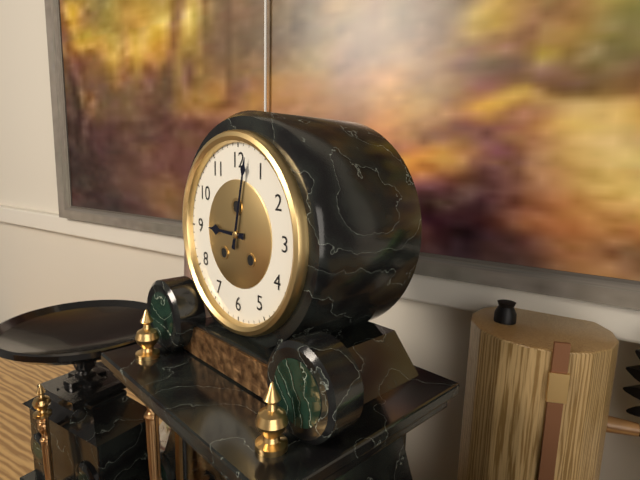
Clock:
h=9 m=2
